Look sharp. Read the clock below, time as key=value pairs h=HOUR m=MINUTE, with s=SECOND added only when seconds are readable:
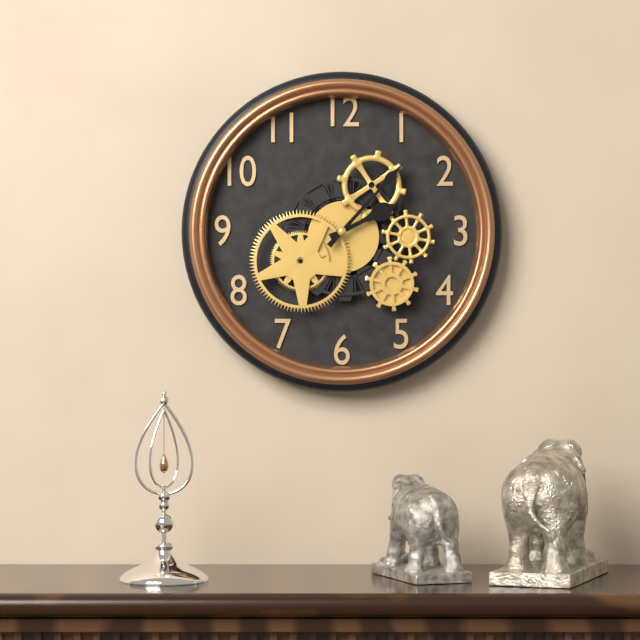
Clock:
h=2 m=7
